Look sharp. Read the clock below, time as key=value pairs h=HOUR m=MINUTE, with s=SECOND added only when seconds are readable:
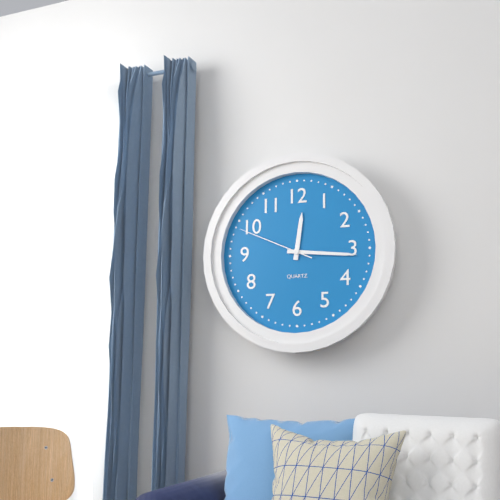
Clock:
h=12 m=16 s=49
